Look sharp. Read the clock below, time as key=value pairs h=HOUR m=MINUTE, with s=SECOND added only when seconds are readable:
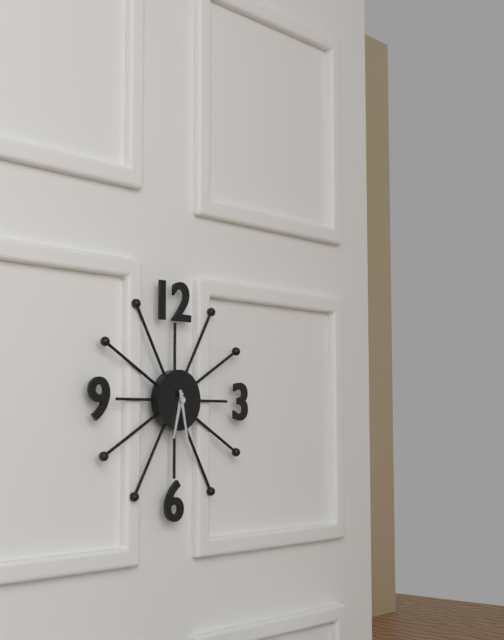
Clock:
h=6 m=28
